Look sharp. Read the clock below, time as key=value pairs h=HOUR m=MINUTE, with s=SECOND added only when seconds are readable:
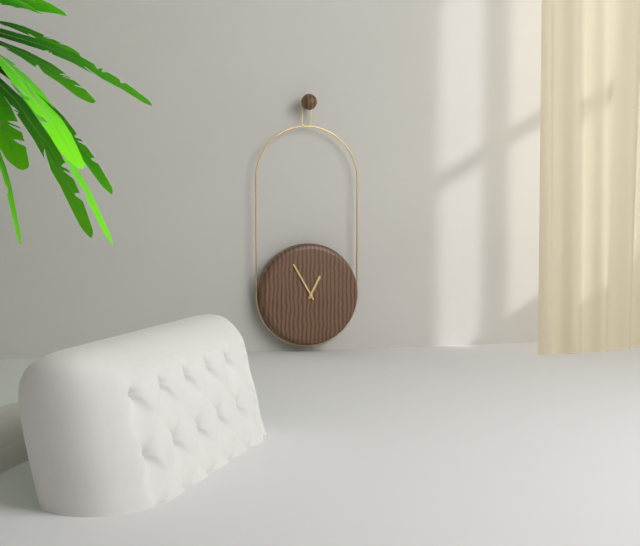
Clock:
h=12 m=55
